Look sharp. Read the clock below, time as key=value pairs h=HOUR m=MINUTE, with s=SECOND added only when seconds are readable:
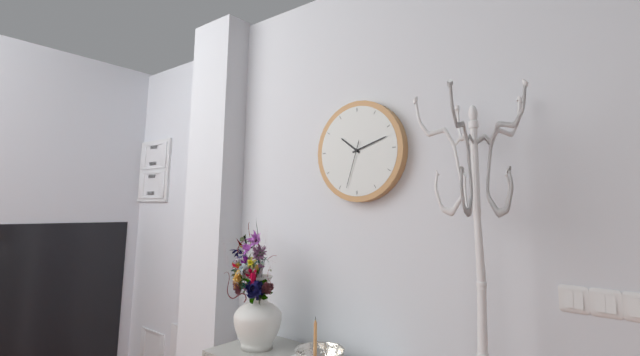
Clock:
h=10 m=12 s=33
